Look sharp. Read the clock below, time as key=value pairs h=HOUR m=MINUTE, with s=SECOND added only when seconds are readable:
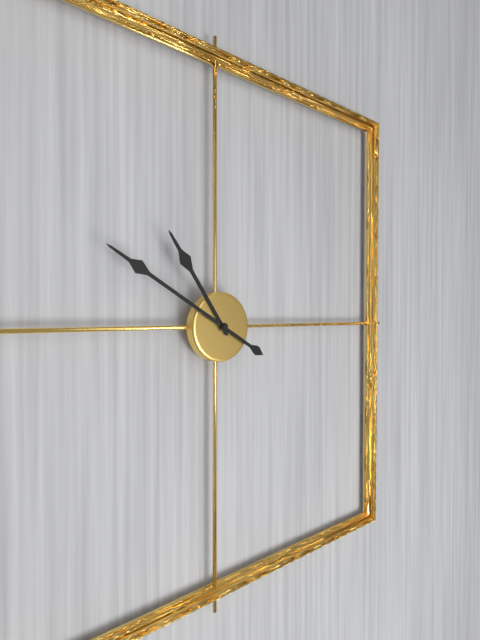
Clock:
h=10 m=50
